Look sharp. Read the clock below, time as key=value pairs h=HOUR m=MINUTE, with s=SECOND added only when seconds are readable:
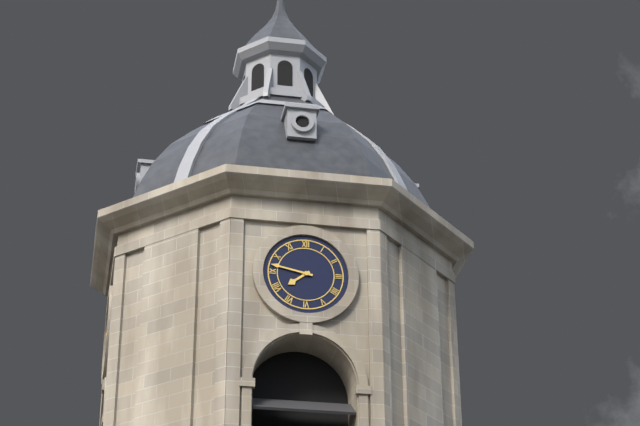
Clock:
h=7 m=47
